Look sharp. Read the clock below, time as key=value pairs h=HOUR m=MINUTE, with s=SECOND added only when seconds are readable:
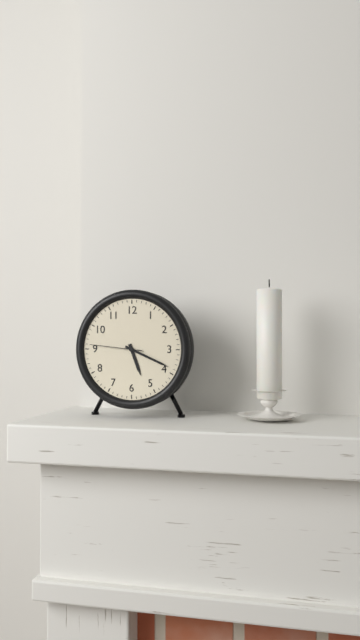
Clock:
h=5 m=19 s=46
